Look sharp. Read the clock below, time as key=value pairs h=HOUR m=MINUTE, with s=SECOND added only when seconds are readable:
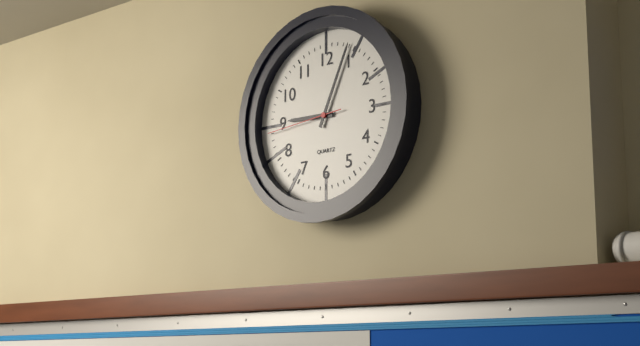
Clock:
h=9 m=4 s=44
